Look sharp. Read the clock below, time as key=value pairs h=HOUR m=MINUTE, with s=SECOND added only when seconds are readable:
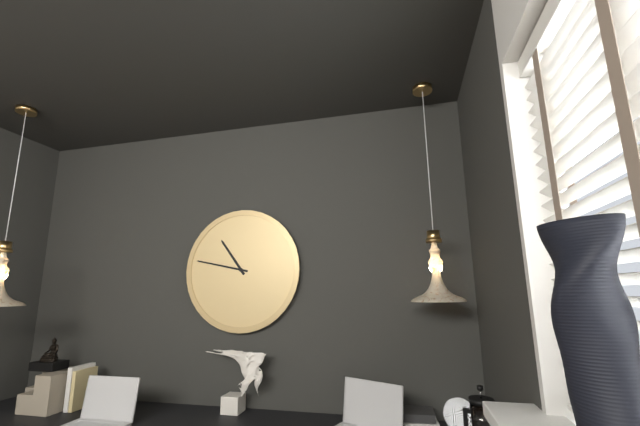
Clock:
h=10 m=47
